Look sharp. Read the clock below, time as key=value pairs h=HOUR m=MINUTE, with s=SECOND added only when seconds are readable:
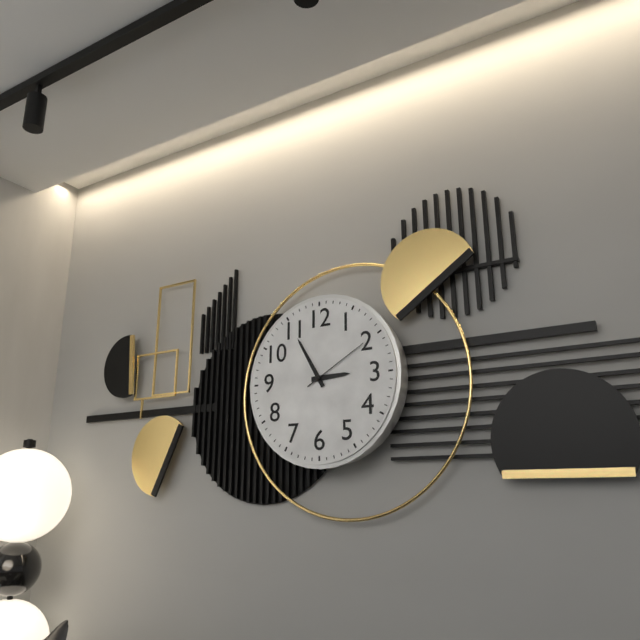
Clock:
h=2 m=55 s=10
